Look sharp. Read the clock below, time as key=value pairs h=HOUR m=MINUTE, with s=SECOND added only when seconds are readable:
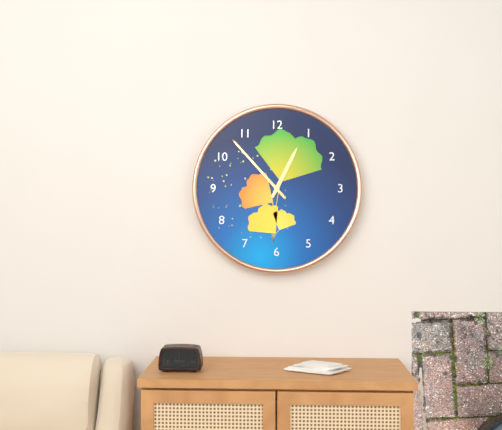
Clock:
h=12 m=53
